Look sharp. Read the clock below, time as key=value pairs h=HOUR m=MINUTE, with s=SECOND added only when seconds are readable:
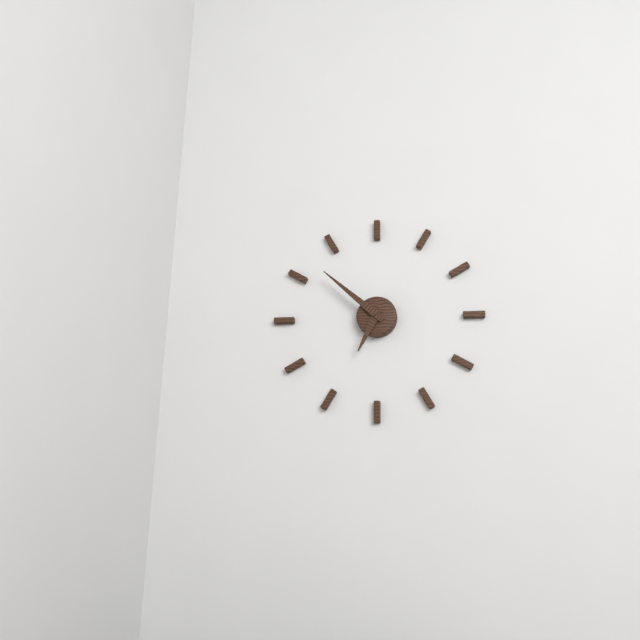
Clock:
h=6 m=52
